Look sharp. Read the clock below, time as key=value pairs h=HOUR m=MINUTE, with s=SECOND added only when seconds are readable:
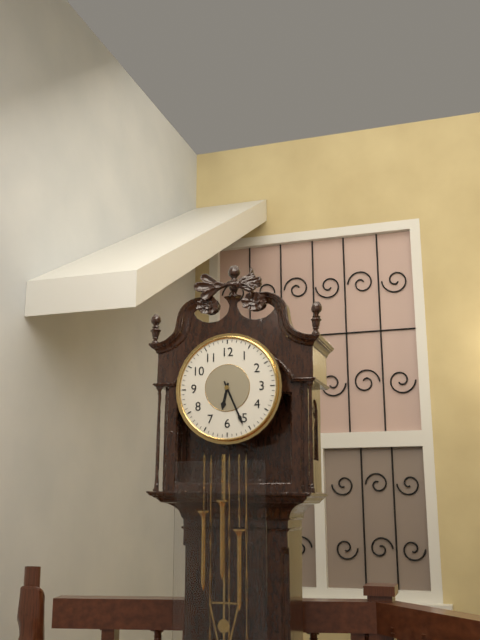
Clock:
h=6 m=26
